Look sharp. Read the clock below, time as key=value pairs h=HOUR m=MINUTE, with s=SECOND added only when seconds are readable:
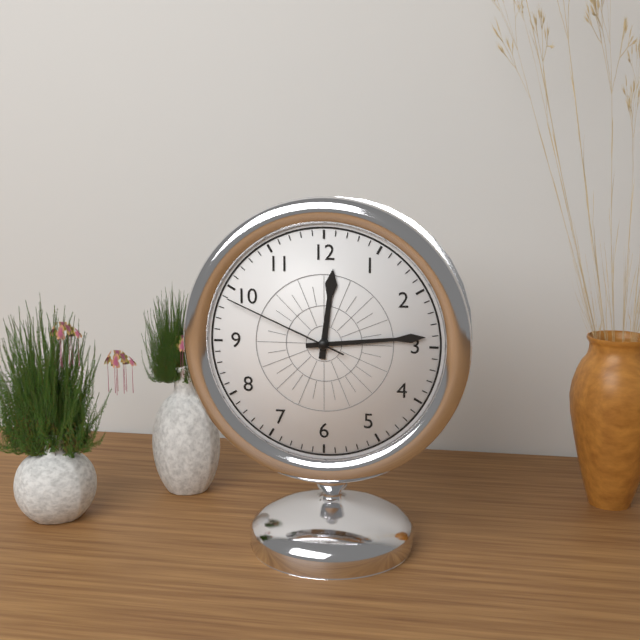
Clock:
h=12 m=14 s=49
